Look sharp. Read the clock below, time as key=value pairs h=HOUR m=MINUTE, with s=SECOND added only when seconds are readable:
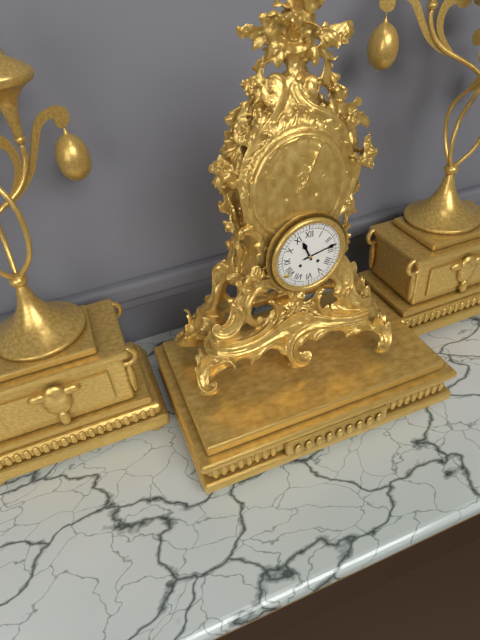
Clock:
h=11 m=13
